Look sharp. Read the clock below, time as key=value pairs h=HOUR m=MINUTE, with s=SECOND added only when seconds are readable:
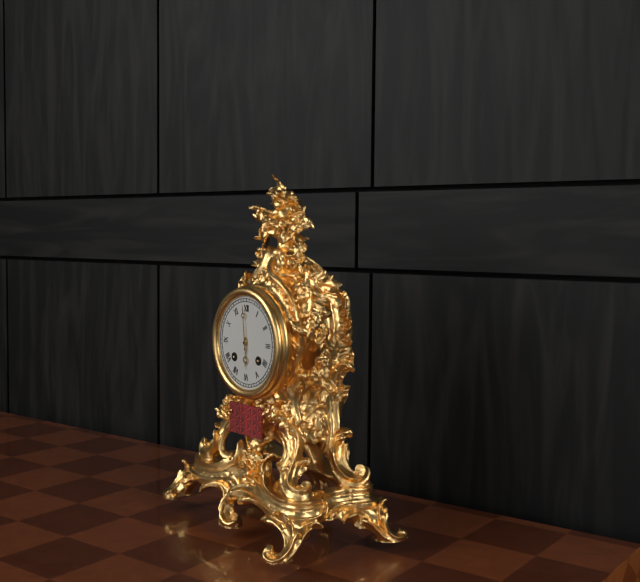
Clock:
h=5 m=59
